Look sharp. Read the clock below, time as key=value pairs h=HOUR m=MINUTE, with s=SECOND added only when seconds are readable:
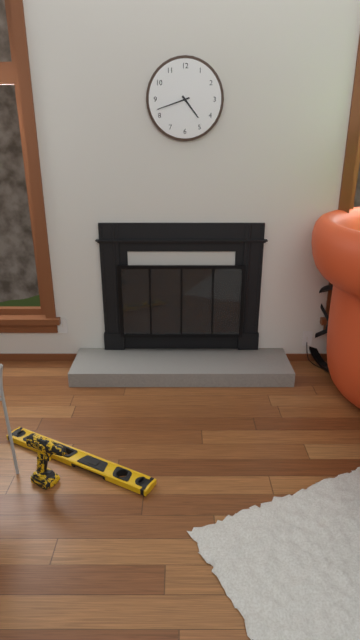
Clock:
h=4 m=42
